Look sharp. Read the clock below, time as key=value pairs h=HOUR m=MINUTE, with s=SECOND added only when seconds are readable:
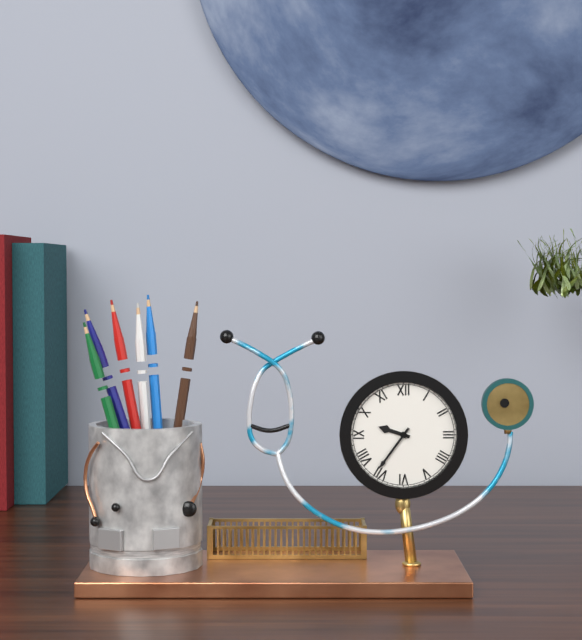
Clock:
h=9 m=36
